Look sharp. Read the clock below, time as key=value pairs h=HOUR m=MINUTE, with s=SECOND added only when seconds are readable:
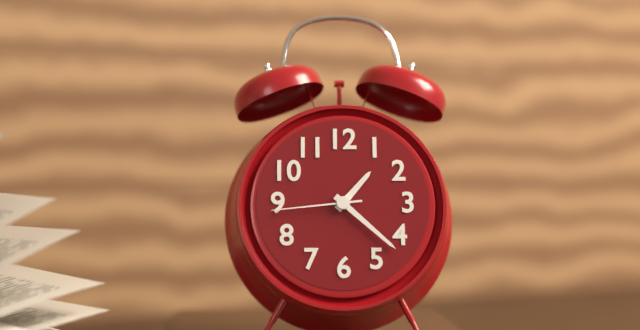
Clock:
h=1 m=22 s=44
